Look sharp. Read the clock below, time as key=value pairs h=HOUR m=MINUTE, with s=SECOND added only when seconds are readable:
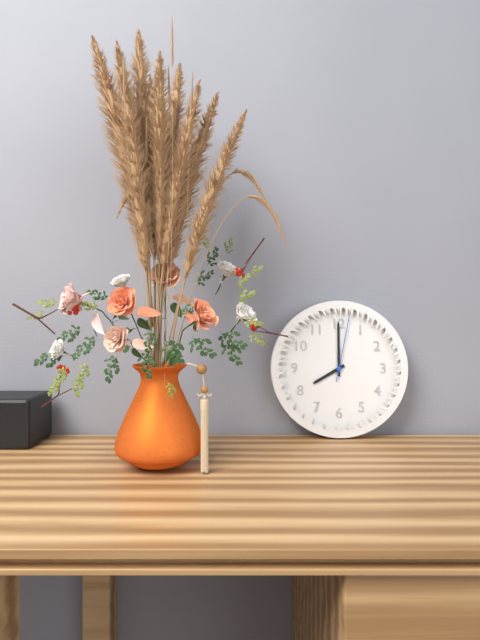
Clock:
h=8 m=0 s=2
